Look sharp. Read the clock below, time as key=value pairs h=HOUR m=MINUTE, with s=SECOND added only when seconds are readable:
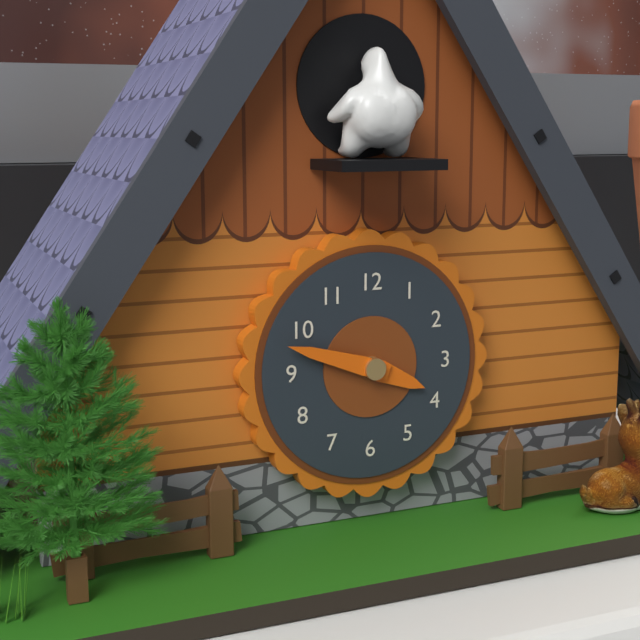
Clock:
h=3 m=48
